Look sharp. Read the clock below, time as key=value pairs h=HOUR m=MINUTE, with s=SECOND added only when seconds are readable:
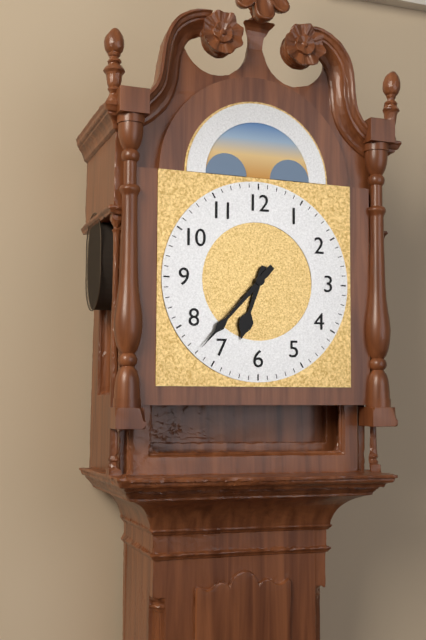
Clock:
h=6 m=37
